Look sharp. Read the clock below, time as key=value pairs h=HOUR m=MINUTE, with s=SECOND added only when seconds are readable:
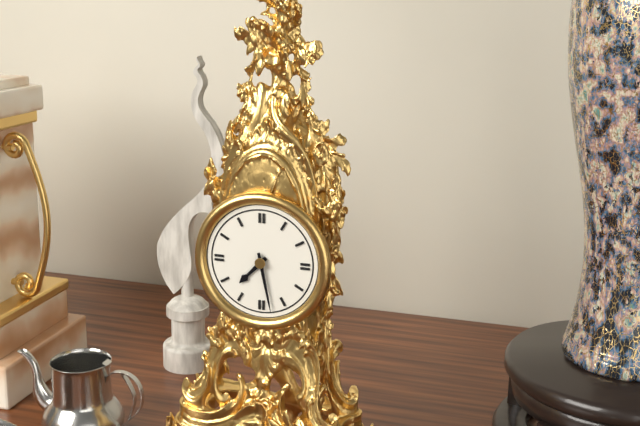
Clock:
h=7 m=28
